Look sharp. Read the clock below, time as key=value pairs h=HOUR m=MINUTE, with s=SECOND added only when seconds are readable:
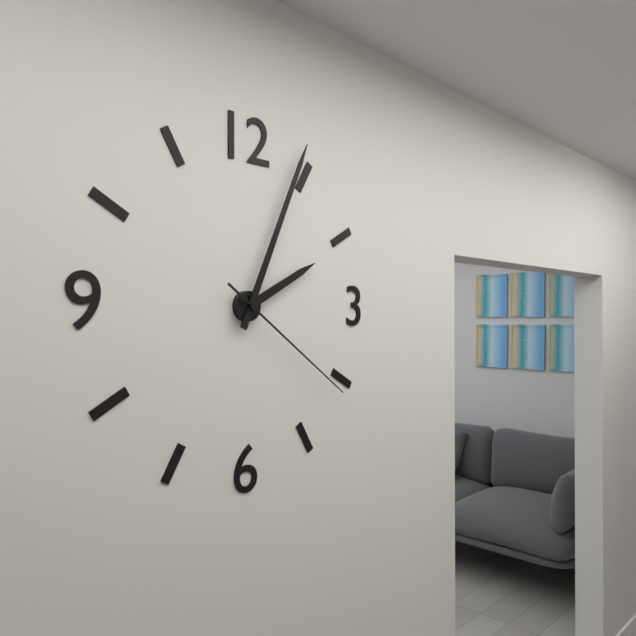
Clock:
h=2 m=4 s=21
